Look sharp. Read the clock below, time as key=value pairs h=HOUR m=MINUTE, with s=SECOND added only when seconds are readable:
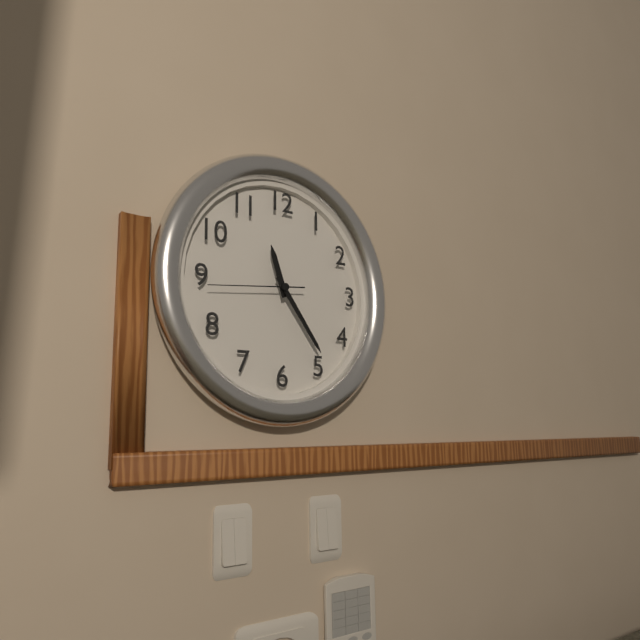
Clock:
h=11 m=24 s=44
